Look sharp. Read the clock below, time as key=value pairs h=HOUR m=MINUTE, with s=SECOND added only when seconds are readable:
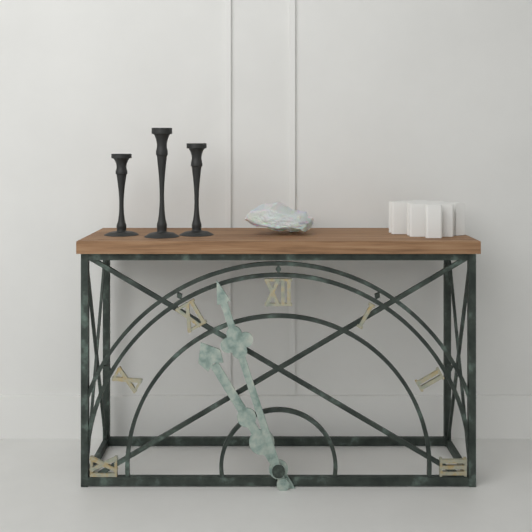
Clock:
h=10 m=57
